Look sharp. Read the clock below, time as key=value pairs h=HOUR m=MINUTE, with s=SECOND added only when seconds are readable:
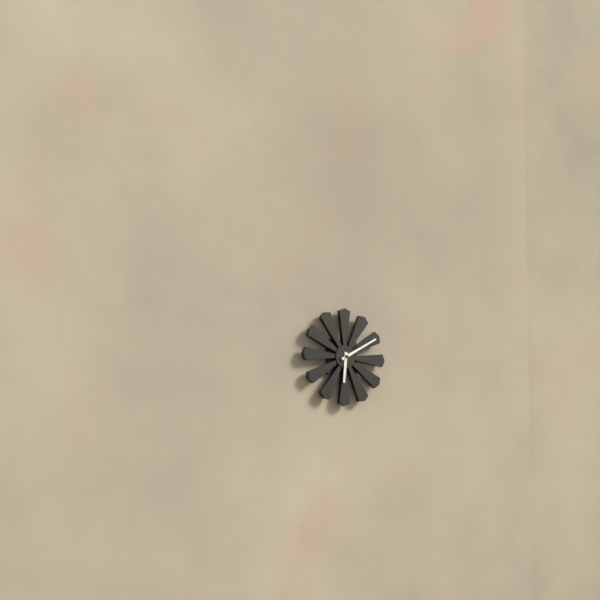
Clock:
h=6 m=10
